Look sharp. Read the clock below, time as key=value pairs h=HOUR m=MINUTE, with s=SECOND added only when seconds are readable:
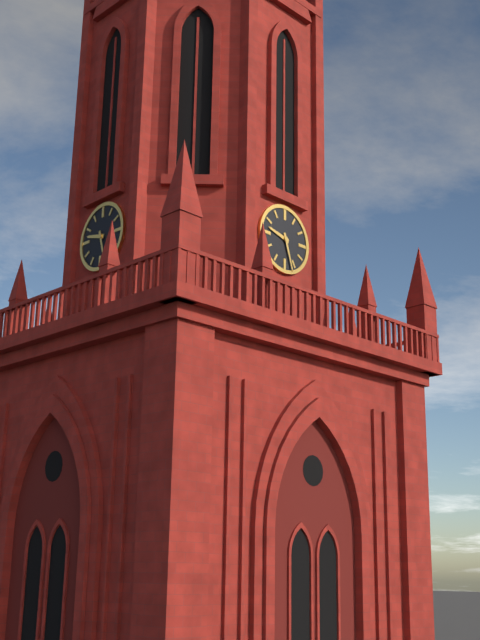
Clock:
h=9 m=27
